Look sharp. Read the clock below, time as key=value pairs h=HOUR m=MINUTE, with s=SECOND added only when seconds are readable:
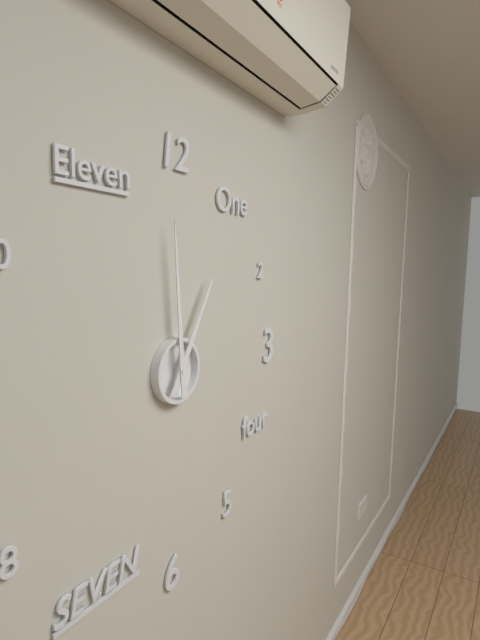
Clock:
h=12 m=59
